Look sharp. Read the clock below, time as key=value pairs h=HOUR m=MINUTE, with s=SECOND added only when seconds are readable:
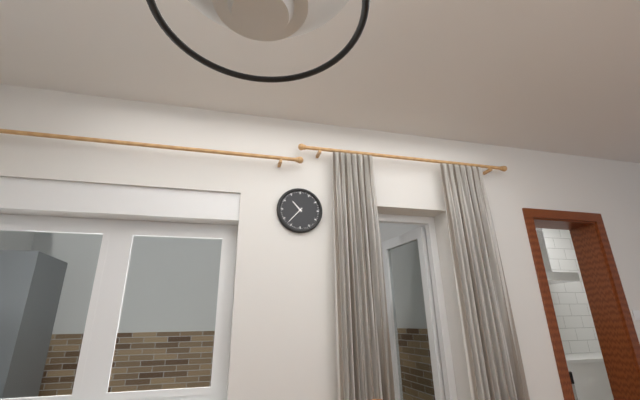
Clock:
h=10 m=37
